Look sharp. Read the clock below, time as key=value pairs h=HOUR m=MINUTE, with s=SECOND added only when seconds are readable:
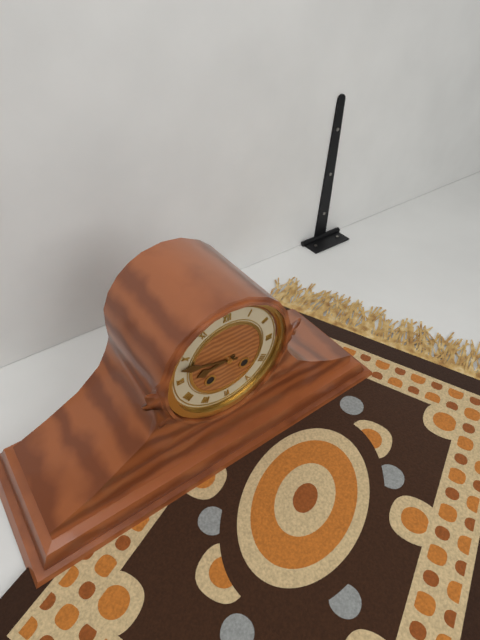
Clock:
h=8 m=48
